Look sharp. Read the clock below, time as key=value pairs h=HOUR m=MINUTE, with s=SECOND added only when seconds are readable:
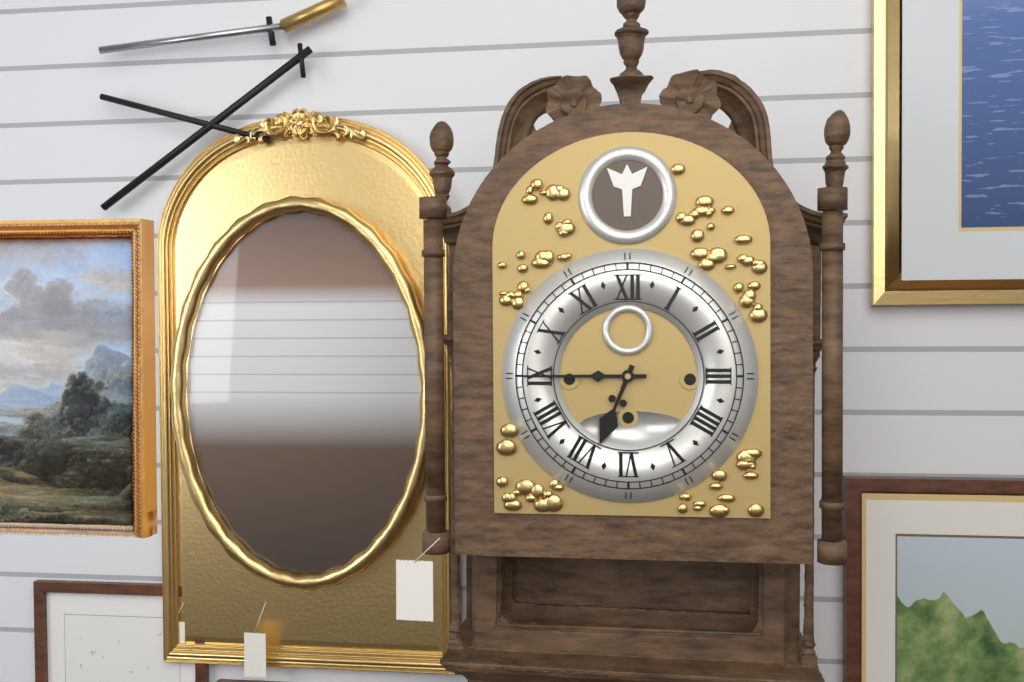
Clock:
h=6 m=45
